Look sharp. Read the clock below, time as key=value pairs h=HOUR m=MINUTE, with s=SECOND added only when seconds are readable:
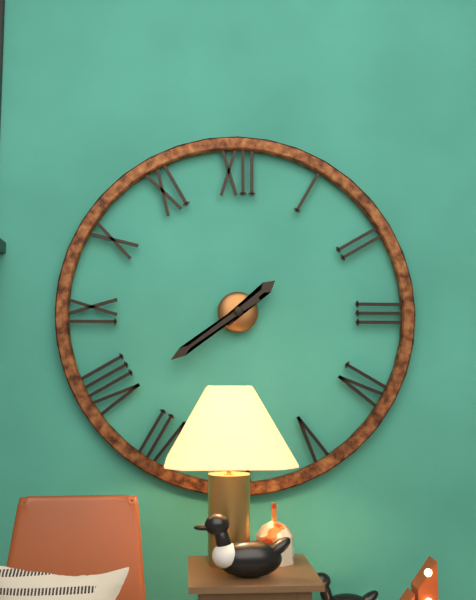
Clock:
h=1 m=39
